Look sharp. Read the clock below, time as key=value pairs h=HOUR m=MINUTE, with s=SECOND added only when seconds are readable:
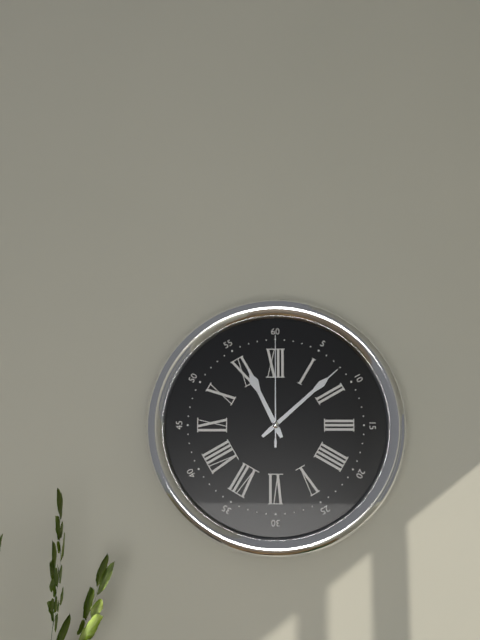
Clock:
h=11 m=8 s=0
